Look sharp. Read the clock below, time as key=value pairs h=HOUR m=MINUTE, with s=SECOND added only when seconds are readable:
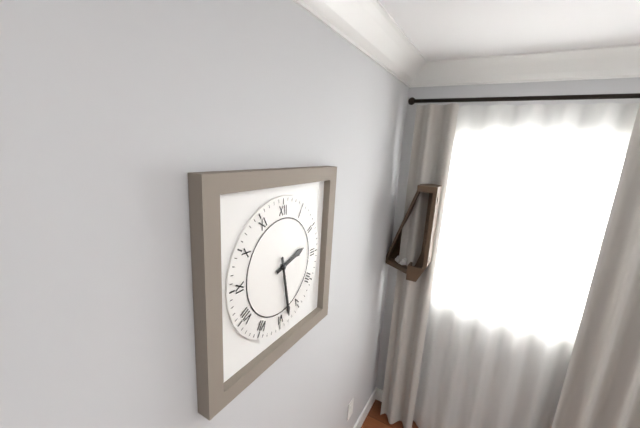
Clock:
h=2 m=28
